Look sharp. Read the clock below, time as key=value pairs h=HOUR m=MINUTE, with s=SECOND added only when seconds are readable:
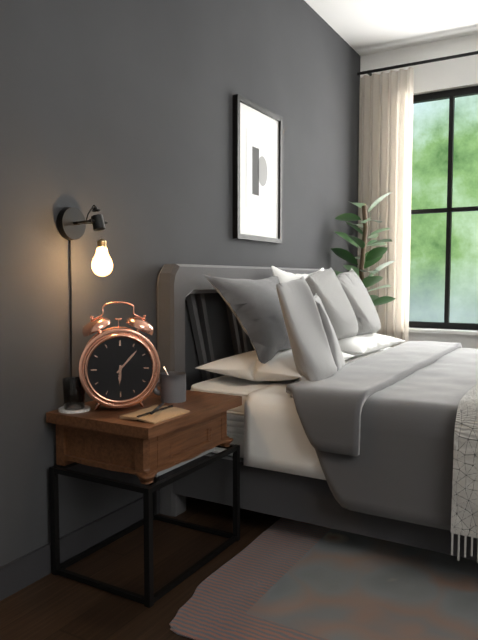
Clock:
h=6 m=7
